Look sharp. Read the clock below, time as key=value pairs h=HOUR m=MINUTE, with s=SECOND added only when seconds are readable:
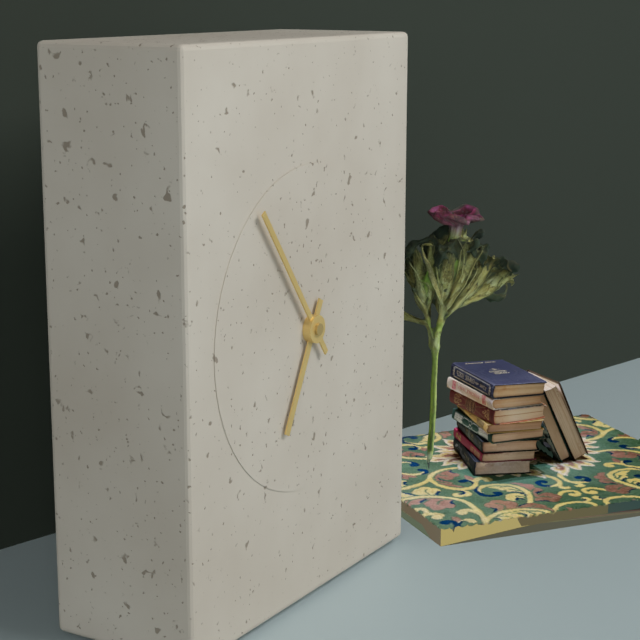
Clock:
h=6 m=54
